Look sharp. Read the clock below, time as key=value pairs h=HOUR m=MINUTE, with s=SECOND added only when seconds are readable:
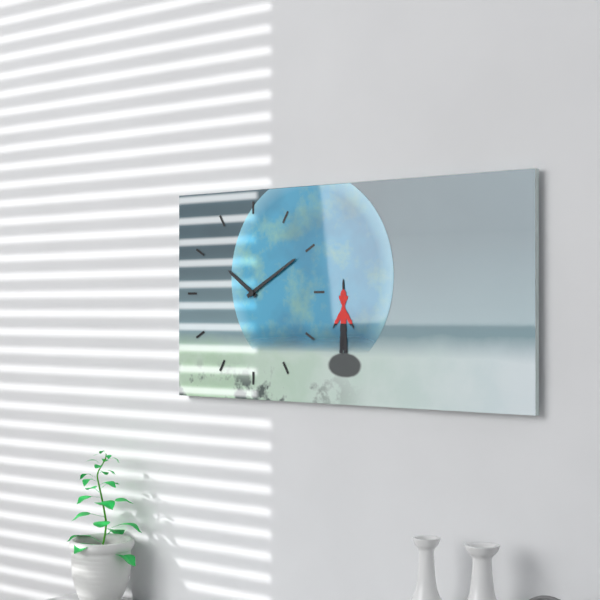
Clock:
h=10 m=10
